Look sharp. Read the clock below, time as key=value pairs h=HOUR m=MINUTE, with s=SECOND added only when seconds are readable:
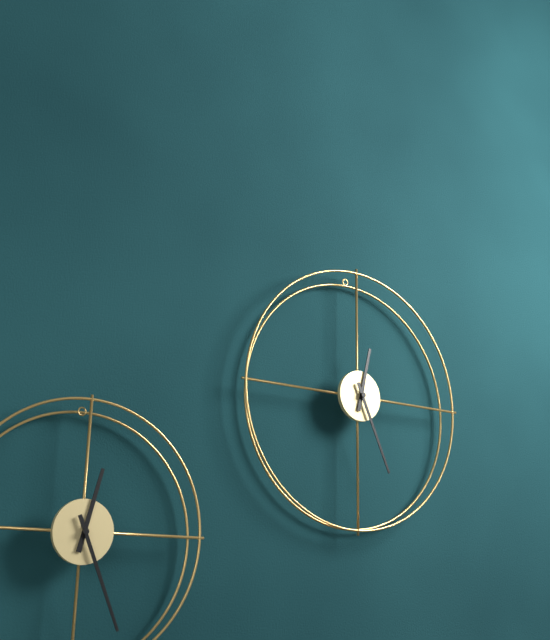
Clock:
h=12 m=26
